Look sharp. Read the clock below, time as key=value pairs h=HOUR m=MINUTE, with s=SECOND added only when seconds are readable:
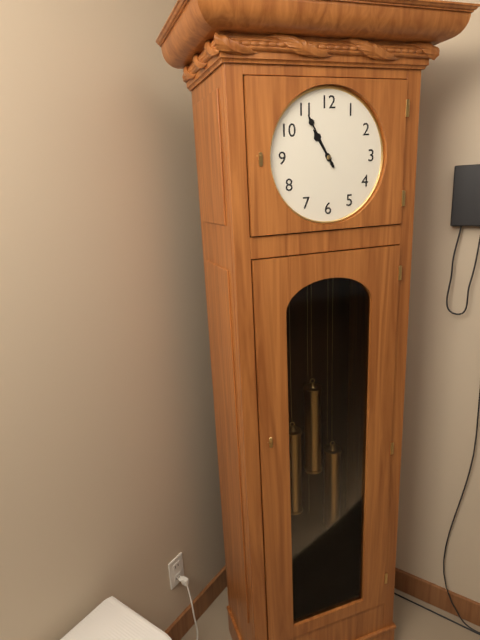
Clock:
h=10 m=55
